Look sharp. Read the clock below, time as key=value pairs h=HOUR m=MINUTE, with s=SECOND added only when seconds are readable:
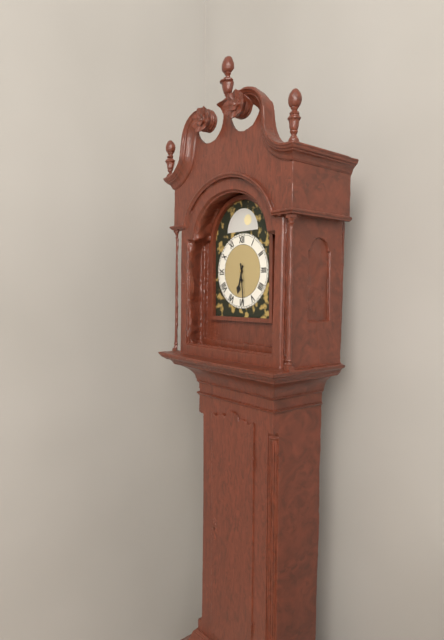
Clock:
h=6 m=29
